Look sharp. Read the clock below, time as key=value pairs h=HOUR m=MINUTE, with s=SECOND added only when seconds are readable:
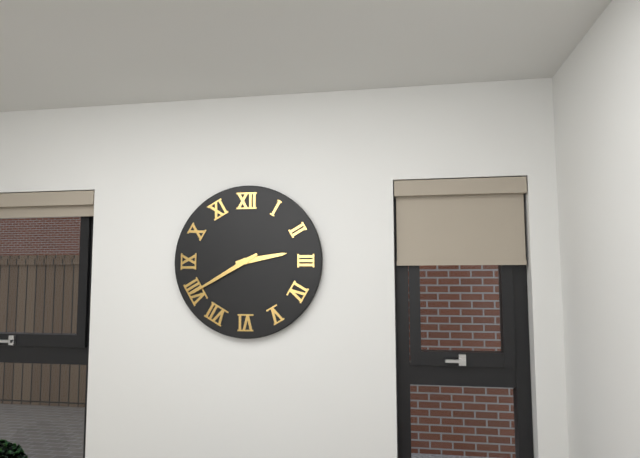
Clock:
h=2 m=40
